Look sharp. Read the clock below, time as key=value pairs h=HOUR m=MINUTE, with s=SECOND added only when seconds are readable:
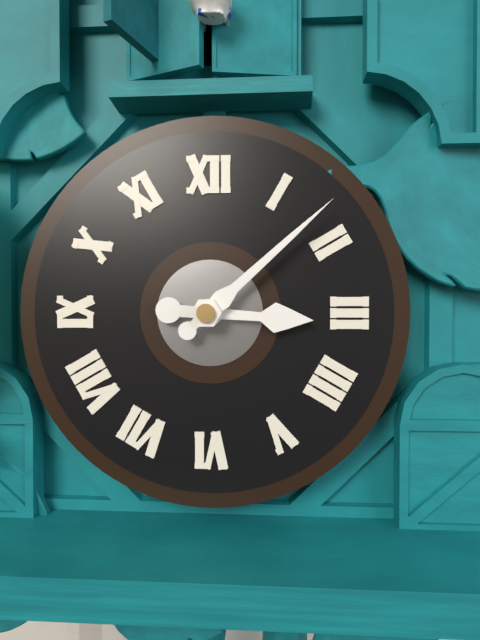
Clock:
h=3 m=8
